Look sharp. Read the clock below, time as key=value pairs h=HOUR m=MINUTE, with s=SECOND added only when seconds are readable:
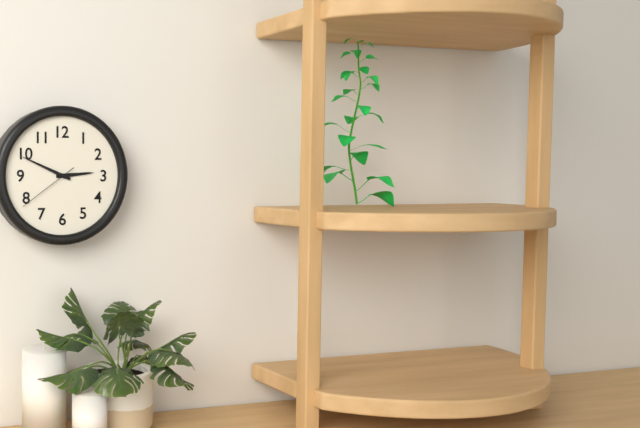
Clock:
h=2 m=49 s=39
